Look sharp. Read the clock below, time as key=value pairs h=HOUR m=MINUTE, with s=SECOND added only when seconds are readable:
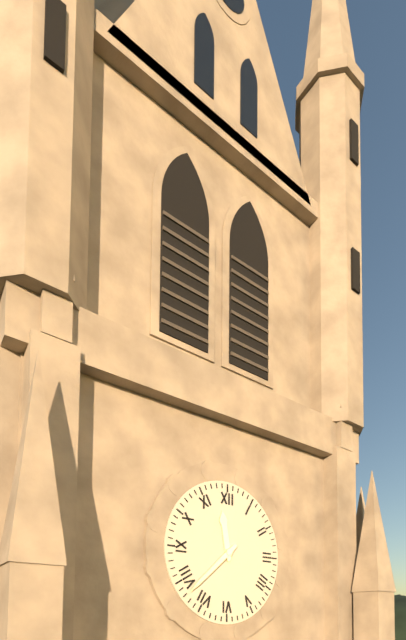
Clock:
h=11 m=38
